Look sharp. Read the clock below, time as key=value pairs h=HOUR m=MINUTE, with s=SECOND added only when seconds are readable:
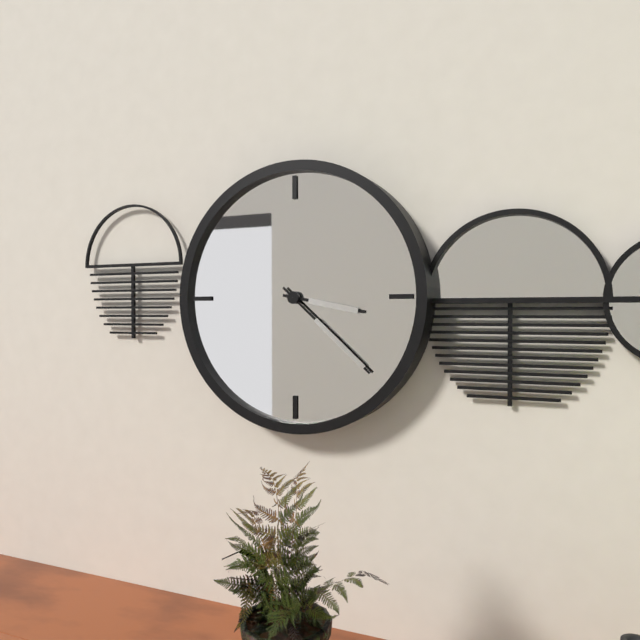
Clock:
h=3 m=22
